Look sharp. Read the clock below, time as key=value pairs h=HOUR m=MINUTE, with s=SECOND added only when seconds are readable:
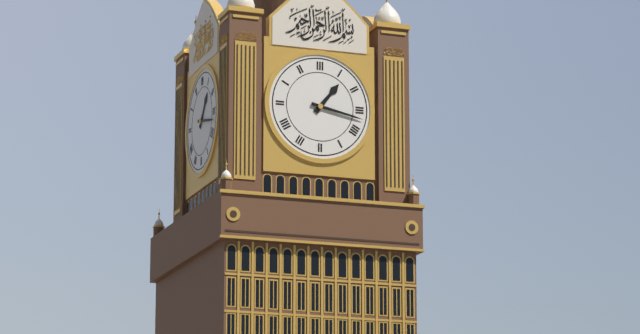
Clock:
h=1 m=17
